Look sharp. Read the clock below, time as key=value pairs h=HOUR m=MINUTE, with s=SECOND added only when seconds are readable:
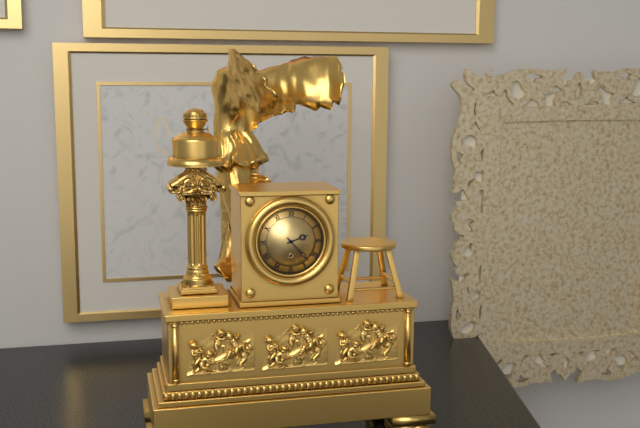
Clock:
h=2 m=23
